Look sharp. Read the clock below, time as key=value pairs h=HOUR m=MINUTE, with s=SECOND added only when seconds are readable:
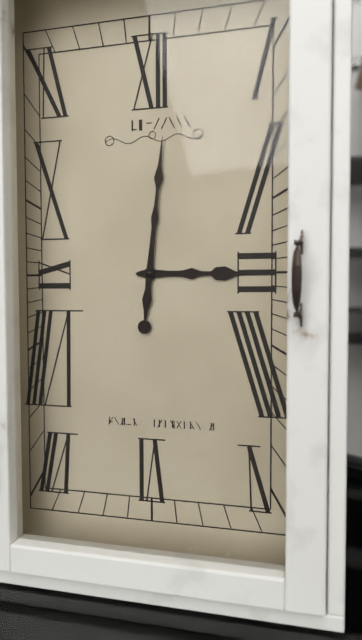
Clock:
h=3 m=1
